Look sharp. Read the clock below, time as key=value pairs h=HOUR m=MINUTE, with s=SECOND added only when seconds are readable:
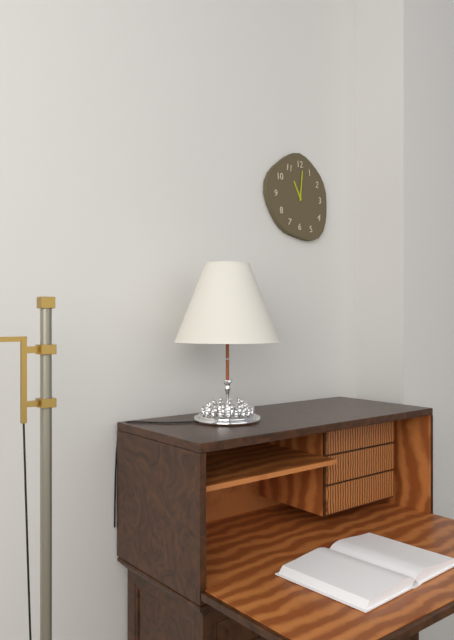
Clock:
h=11 m=1
